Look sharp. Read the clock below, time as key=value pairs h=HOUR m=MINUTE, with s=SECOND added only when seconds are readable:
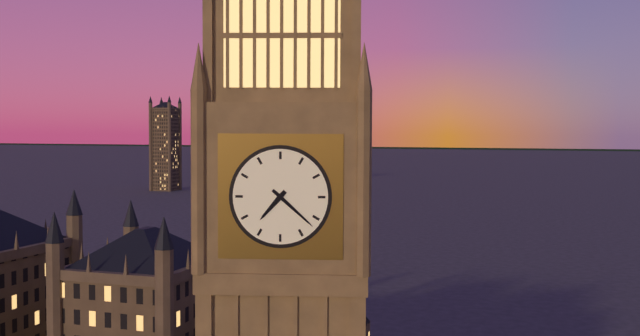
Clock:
h=7 m=22
